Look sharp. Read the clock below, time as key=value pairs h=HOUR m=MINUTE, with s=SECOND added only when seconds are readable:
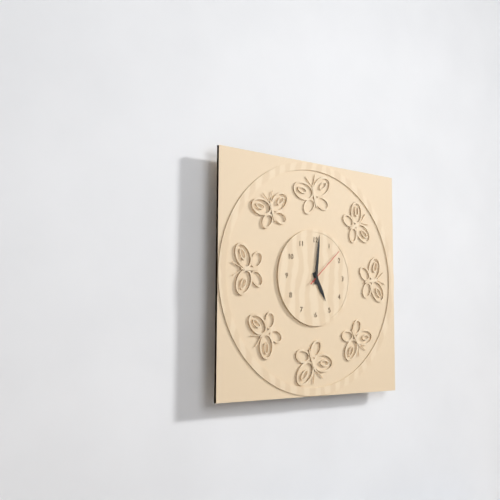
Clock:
h=5 m=1
